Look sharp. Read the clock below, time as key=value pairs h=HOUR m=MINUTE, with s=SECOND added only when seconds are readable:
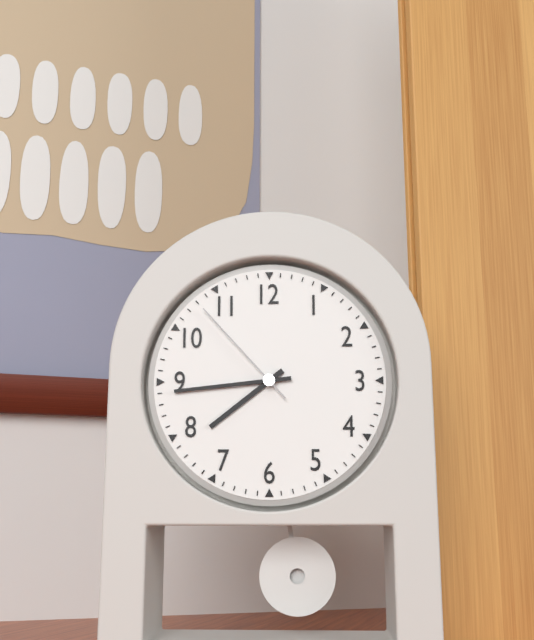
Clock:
h=7 m=44 s=53
